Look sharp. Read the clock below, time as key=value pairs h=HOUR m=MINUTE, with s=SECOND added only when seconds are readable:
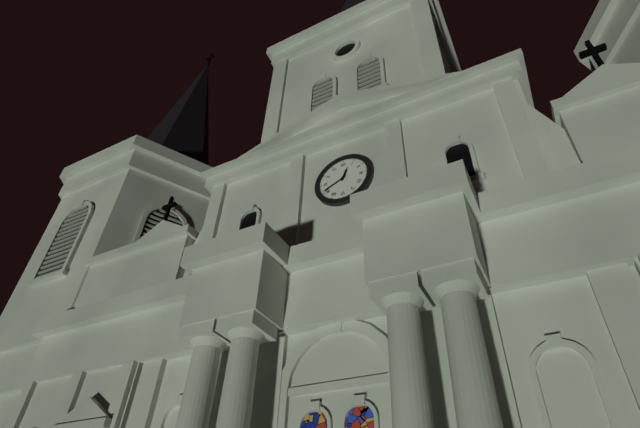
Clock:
h=12 m=41
